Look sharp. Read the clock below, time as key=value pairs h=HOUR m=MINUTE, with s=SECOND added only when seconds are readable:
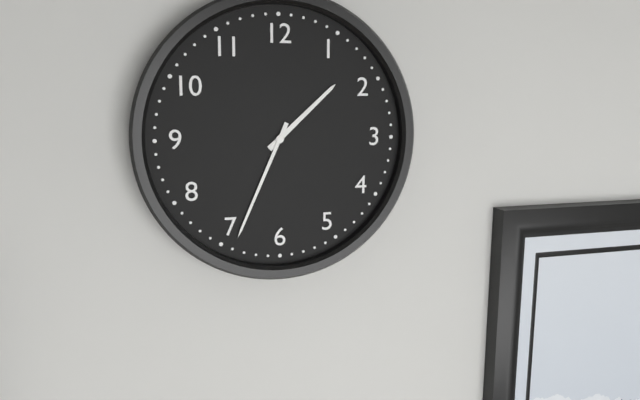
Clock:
h=1 m=34
